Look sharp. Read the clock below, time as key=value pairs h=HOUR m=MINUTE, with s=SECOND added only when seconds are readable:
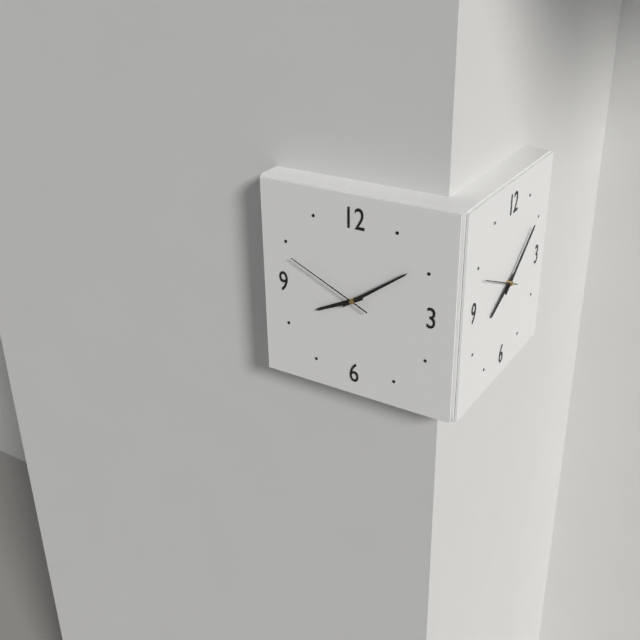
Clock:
h=8 m=9 s=49
